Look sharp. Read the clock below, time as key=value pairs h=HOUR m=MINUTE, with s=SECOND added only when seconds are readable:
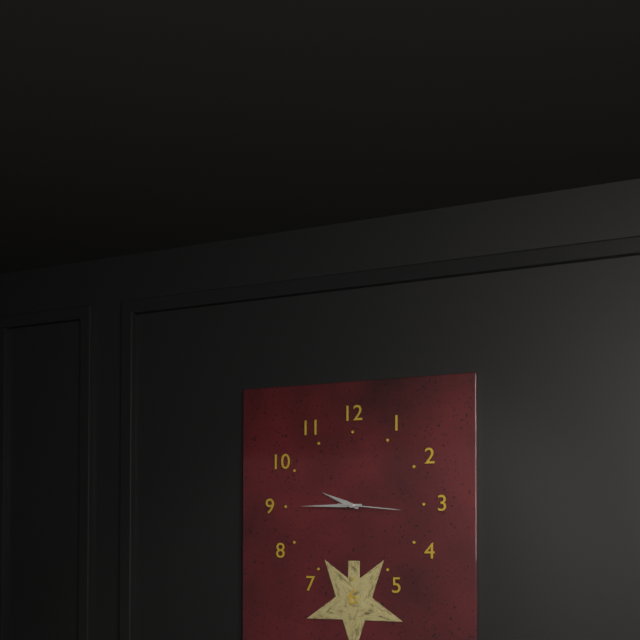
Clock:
h=9 m=45 s=16
